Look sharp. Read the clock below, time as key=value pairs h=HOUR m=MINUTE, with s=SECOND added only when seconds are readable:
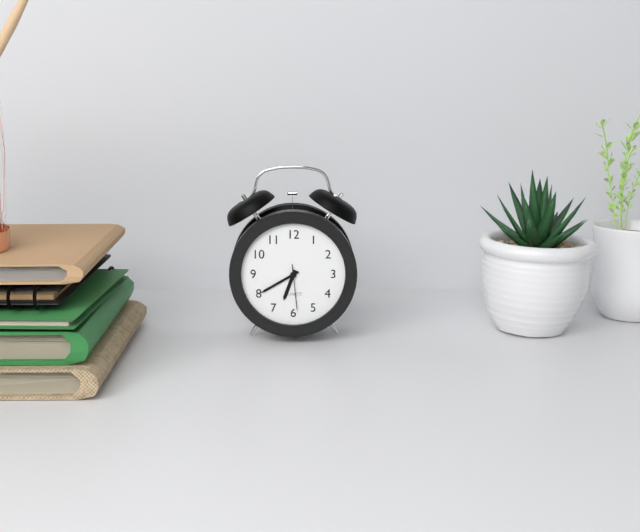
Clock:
h=6 m=40
